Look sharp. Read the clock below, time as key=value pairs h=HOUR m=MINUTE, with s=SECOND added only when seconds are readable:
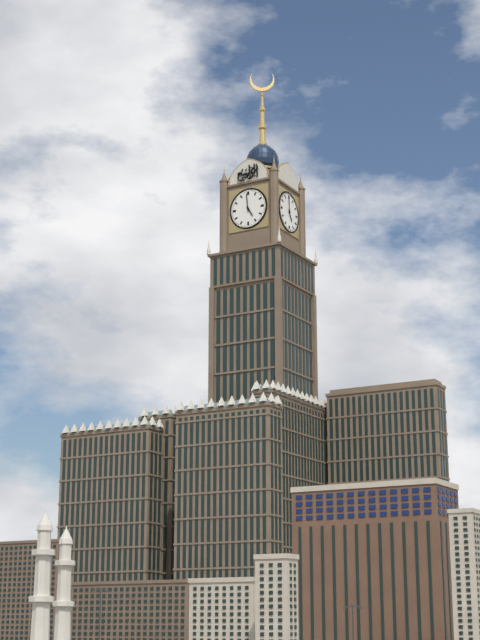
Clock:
h=4 m=59
